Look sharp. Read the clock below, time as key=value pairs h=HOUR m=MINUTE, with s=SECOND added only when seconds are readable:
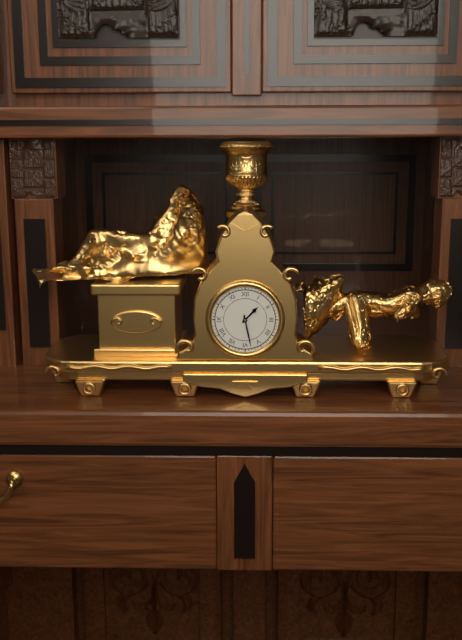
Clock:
h=1 m=28
